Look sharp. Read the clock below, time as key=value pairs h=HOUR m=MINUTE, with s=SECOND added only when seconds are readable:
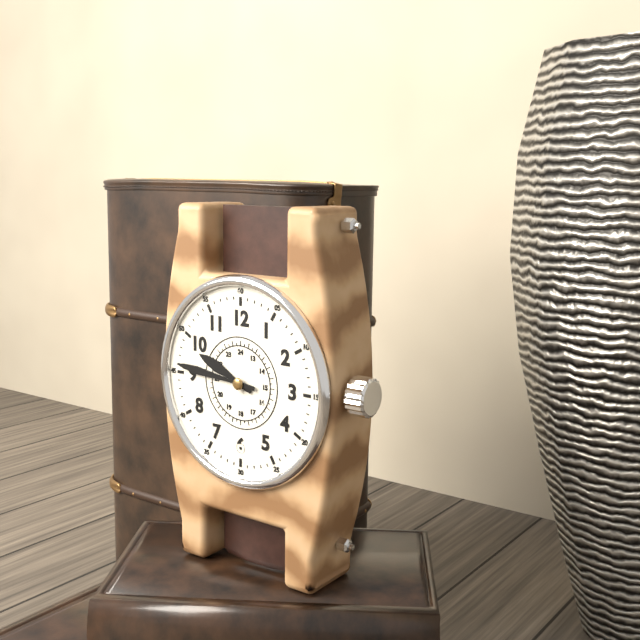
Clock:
h=9 m=46
